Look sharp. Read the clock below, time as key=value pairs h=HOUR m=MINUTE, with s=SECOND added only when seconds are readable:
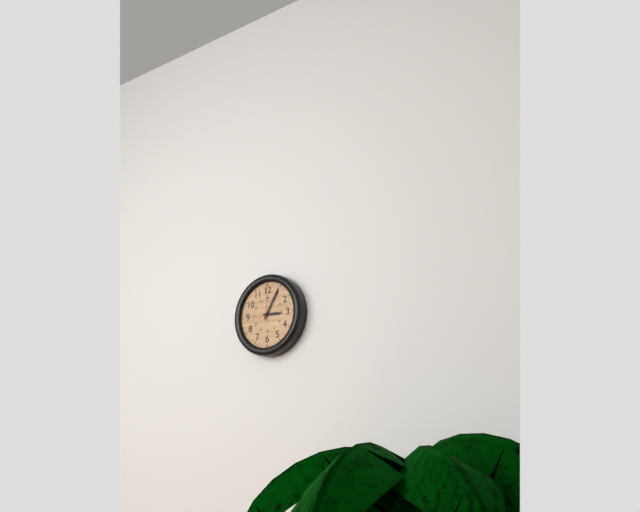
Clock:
h=3 m=5
